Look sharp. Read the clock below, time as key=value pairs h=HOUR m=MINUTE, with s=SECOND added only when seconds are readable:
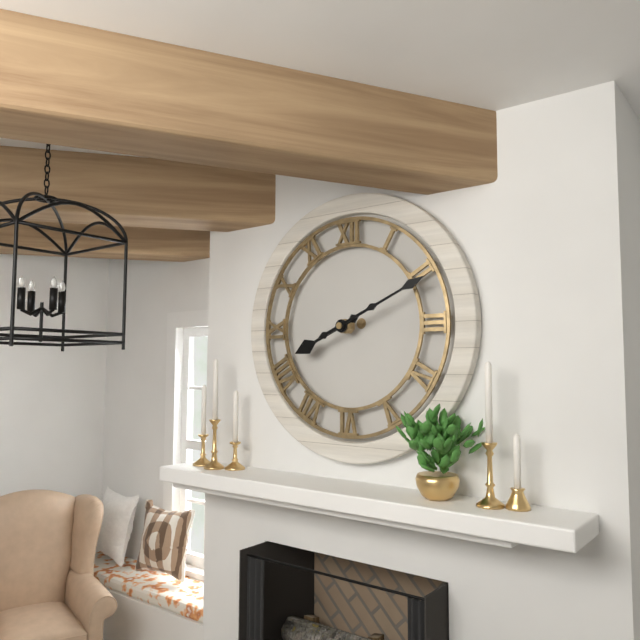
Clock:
h=8 m=11
